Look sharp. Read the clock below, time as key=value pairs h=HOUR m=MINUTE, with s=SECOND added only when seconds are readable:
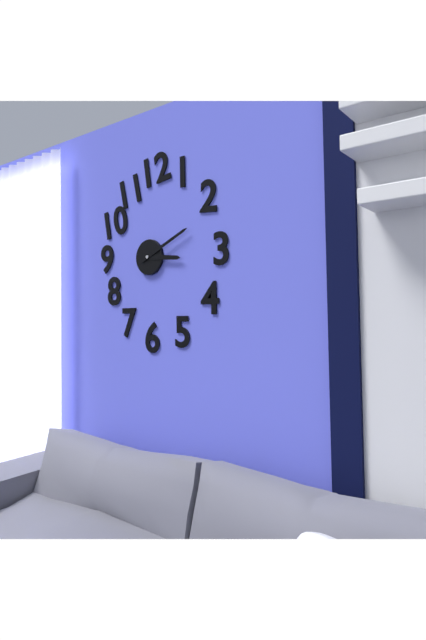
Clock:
h=3 m=11
